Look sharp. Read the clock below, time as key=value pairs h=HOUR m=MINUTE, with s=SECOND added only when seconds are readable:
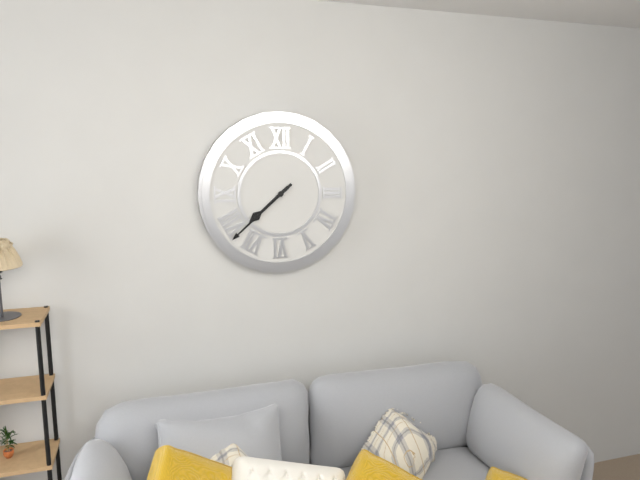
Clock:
h=7 m=38
